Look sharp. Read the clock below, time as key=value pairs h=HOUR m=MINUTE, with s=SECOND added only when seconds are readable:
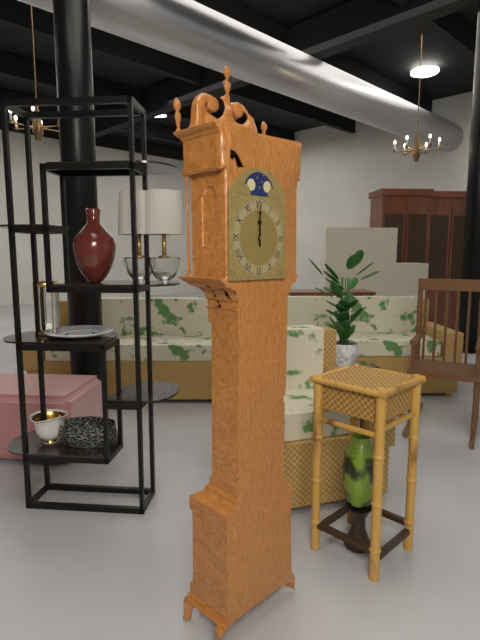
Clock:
h=12 m=0
